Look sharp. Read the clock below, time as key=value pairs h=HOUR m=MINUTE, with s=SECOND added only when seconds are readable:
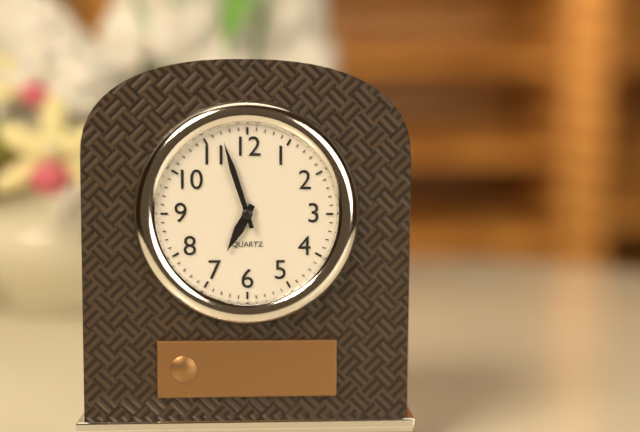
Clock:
h=6 m=57
